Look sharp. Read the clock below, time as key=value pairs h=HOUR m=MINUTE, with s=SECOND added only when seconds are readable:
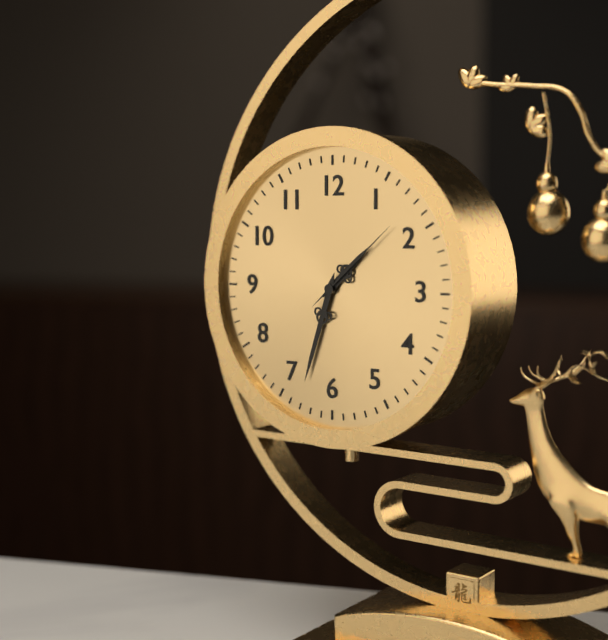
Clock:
h=1 m=33 s=8
